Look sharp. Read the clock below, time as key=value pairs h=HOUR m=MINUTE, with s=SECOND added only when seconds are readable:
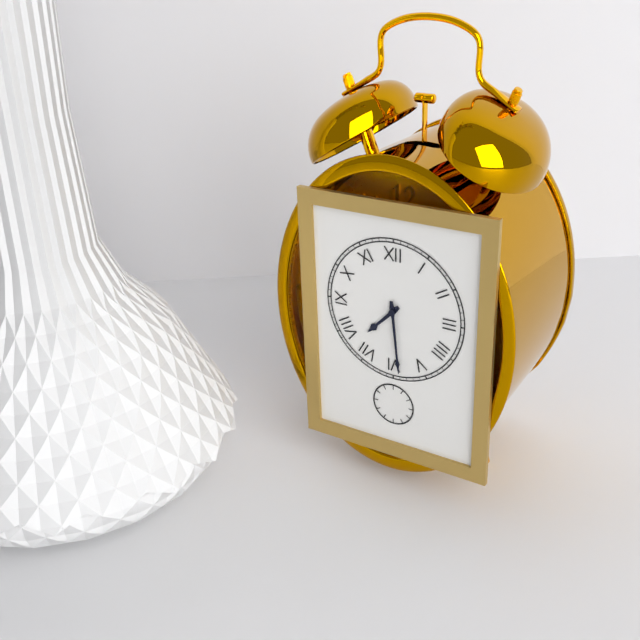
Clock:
h=7 m=29
